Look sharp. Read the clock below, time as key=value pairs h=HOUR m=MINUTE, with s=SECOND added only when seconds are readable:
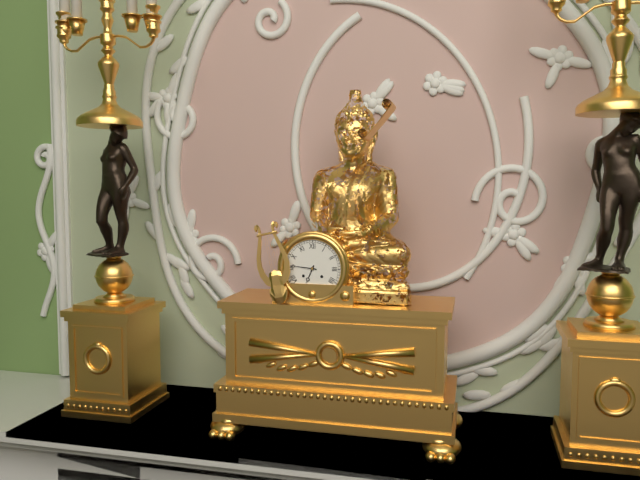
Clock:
h=6 m=46
